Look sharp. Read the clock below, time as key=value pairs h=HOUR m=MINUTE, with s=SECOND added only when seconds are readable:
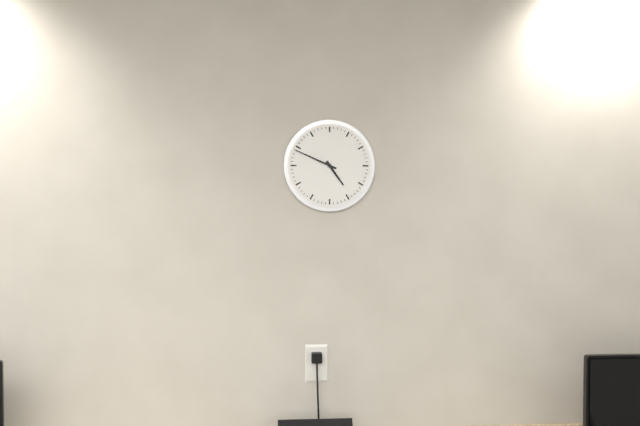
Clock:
h=4 m=49
